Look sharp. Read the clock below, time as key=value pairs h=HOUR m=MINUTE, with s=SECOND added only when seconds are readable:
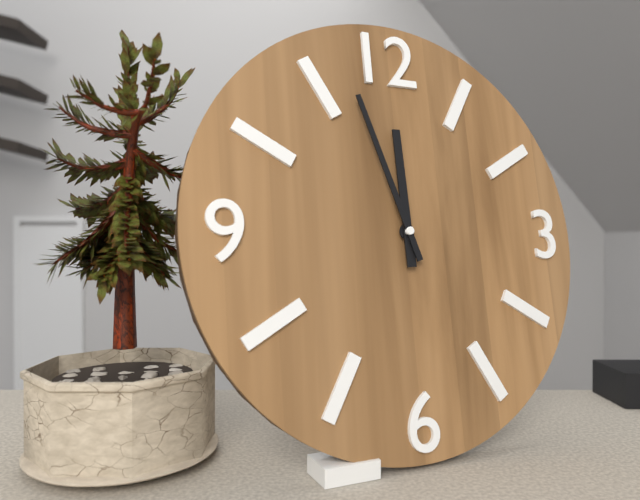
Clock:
h=11 m=57
